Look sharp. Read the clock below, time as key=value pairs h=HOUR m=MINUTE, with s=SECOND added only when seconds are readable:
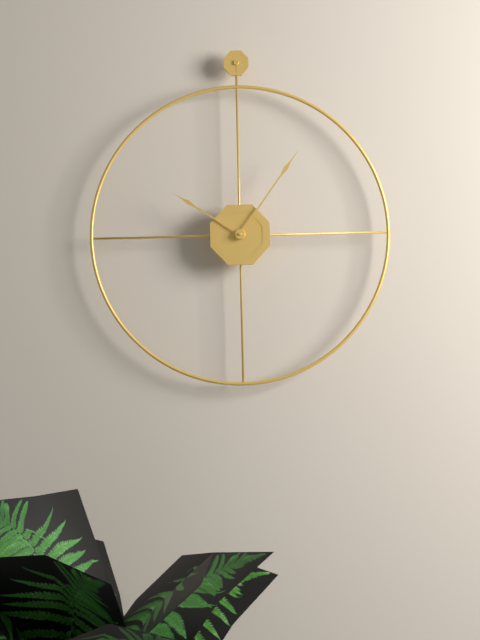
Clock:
h=10 m=6
